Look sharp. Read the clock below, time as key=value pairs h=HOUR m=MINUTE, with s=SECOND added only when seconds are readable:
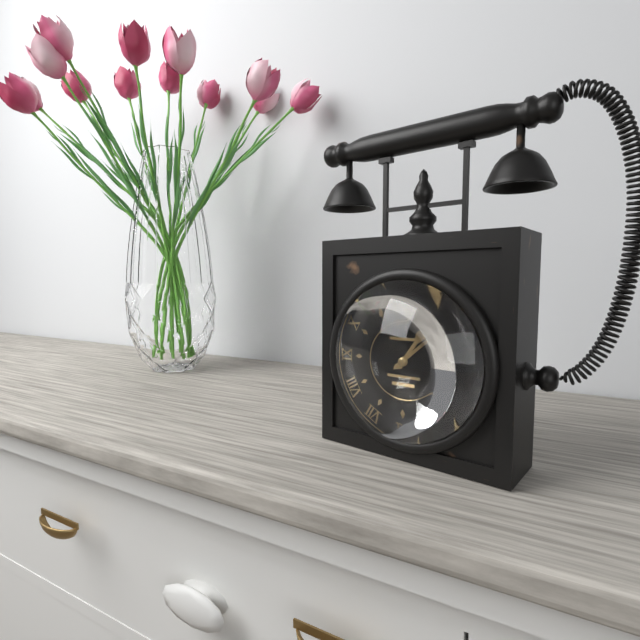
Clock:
h=1 m=8
